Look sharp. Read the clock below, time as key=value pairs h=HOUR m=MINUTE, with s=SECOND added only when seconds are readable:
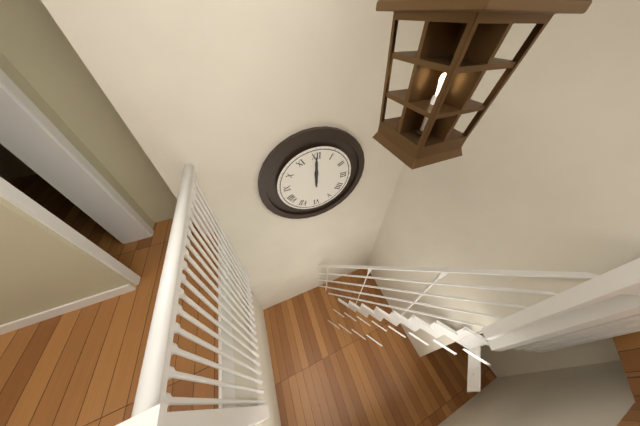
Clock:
h=12 m=0
